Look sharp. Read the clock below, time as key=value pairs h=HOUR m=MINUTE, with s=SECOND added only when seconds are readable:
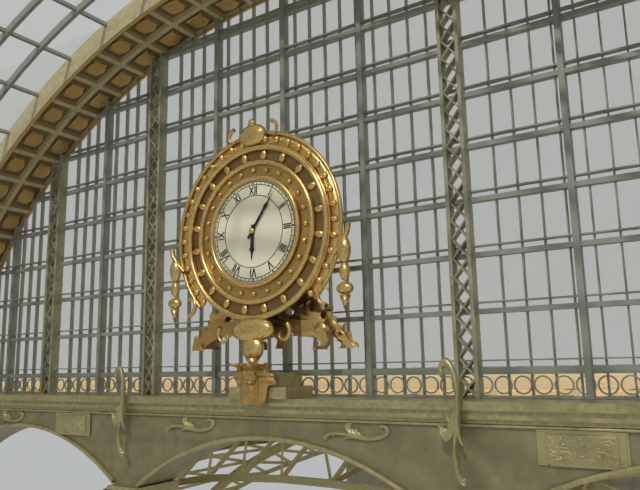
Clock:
h=6 m=6
